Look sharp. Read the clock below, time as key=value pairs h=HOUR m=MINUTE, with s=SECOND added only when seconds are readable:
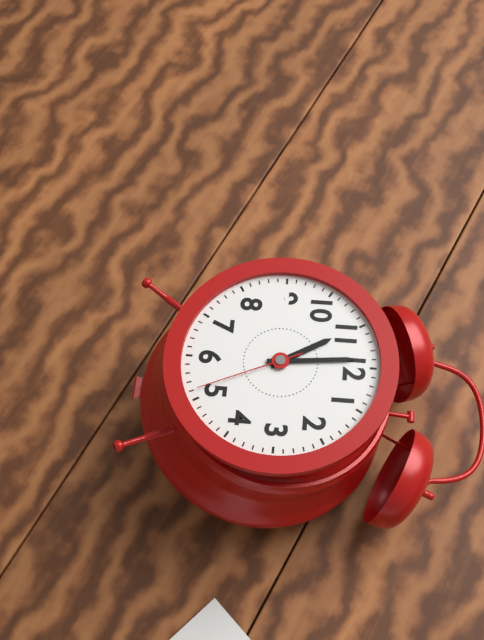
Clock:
h=10 m=59 s=26
